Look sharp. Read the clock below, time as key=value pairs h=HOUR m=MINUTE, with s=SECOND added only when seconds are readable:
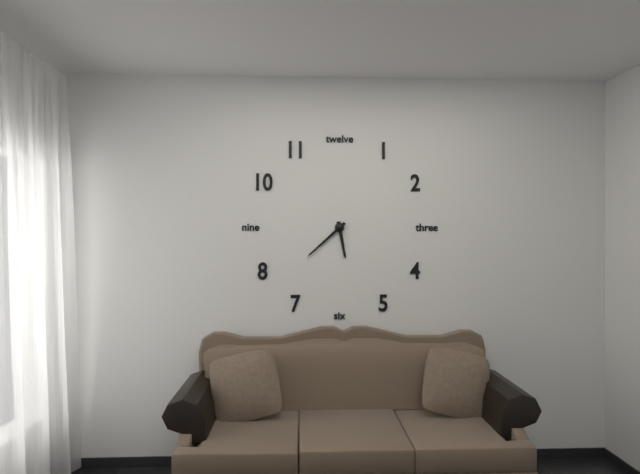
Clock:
h=5 m=38
